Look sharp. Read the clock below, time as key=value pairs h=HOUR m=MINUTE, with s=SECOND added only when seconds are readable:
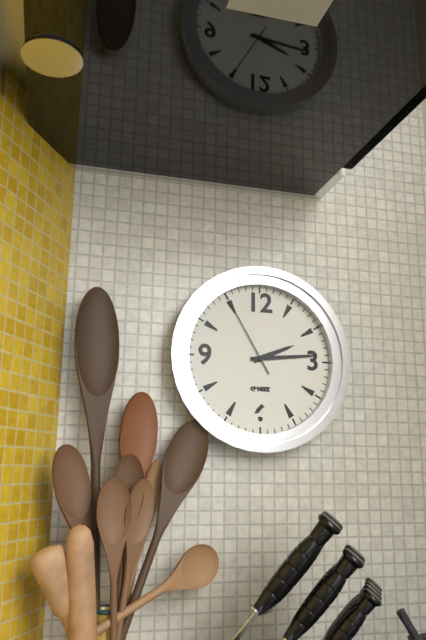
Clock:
h=2 m=14 s=55
